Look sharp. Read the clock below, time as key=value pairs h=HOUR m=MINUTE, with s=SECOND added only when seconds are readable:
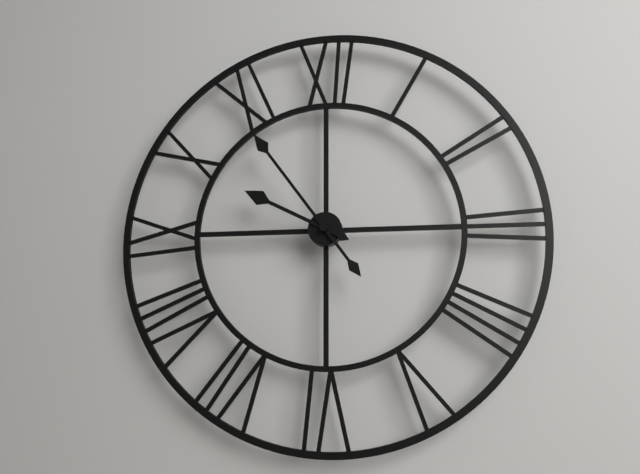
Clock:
h=9 m=54
